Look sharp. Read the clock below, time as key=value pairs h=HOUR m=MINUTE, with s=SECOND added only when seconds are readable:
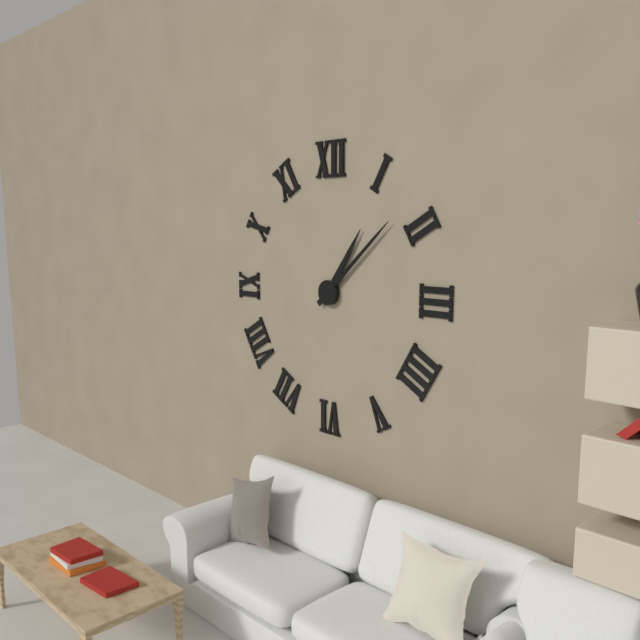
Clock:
h=1 m=8
